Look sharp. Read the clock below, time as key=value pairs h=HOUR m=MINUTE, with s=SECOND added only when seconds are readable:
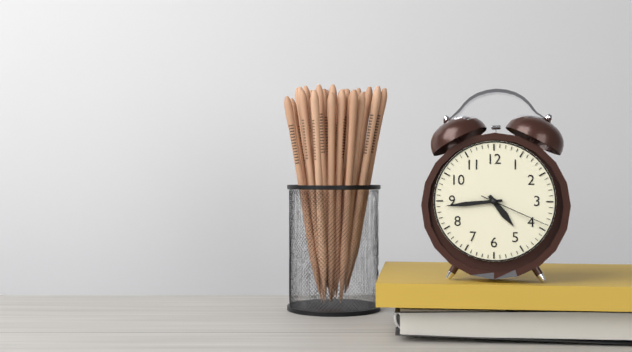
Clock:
h=4 m=44 s=19
